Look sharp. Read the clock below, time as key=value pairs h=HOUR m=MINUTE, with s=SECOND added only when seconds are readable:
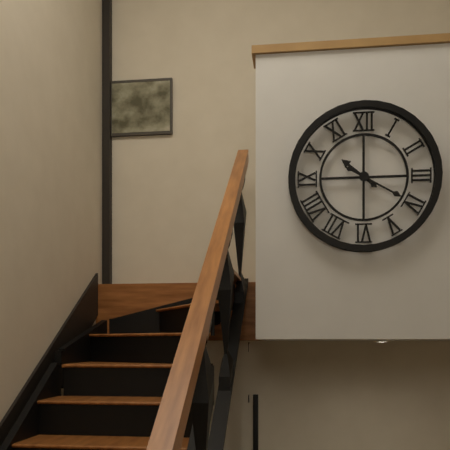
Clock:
h=10 m=20
